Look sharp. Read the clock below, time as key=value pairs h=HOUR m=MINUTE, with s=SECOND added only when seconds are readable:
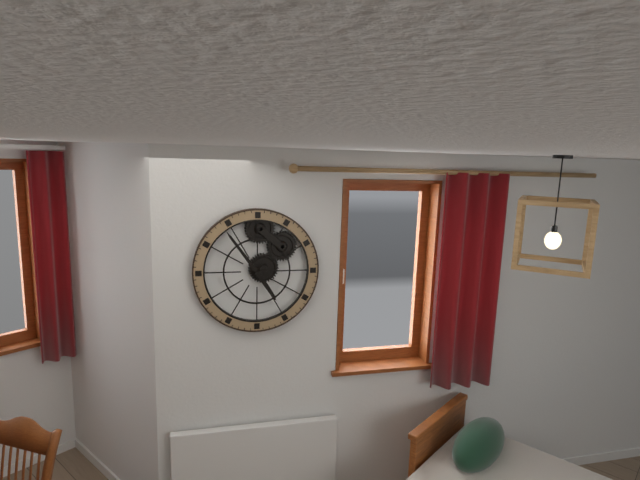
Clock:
h=4 m=54
